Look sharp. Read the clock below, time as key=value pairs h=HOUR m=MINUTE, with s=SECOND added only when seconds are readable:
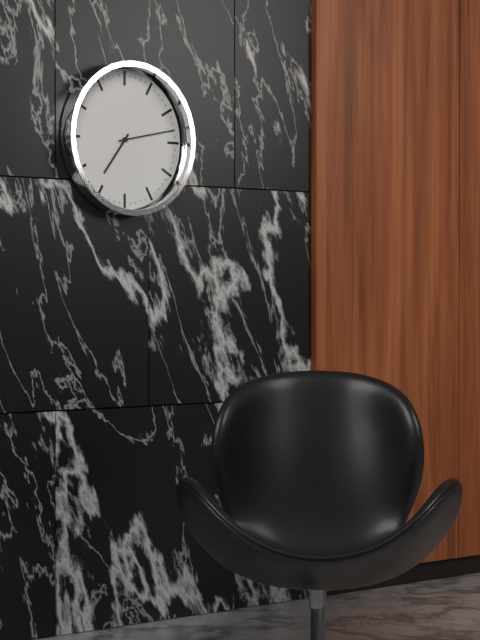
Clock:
h=7 m=13
